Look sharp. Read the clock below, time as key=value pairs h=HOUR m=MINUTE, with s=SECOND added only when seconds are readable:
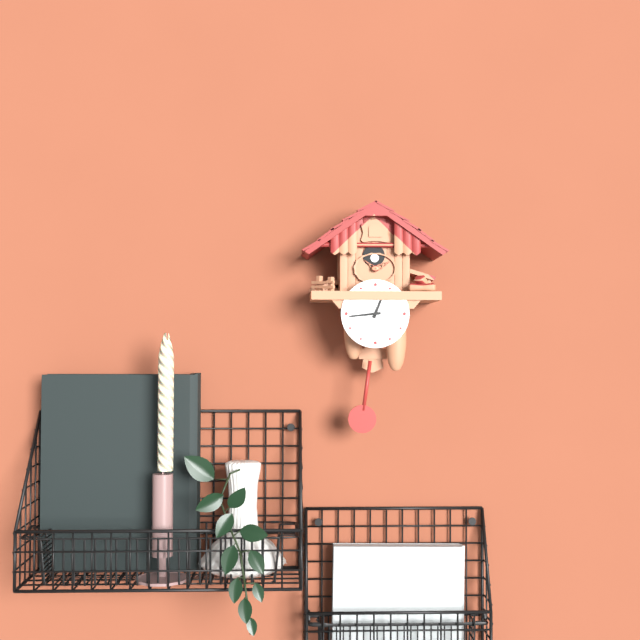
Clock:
h=12 m=44
